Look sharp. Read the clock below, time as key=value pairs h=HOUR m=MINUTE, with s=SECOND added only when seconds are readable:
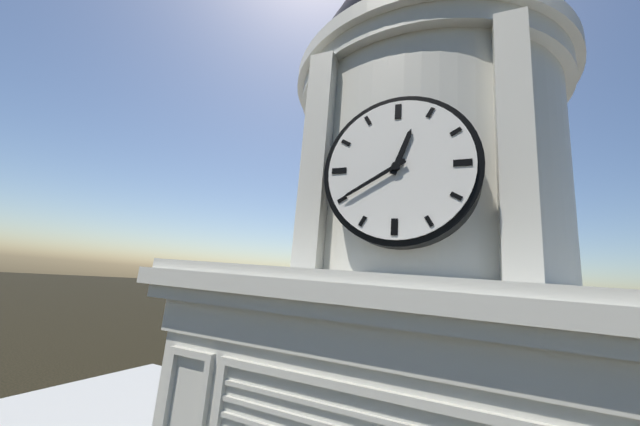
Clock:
h=12 m=40
